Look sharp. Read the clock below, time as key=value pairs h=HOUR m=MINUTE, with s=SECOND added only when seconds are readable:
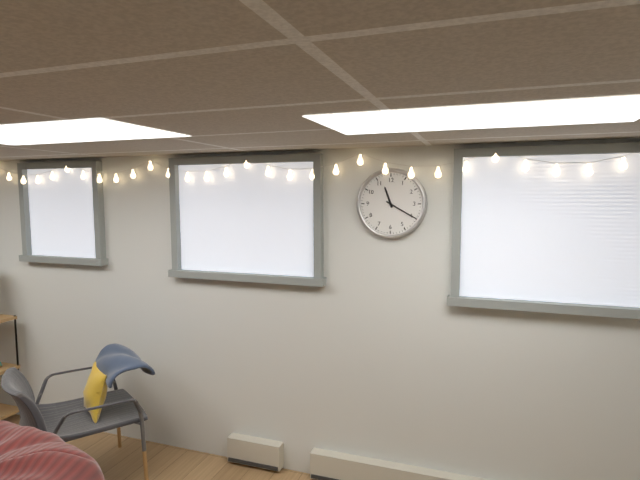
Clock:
h=11 m=20
